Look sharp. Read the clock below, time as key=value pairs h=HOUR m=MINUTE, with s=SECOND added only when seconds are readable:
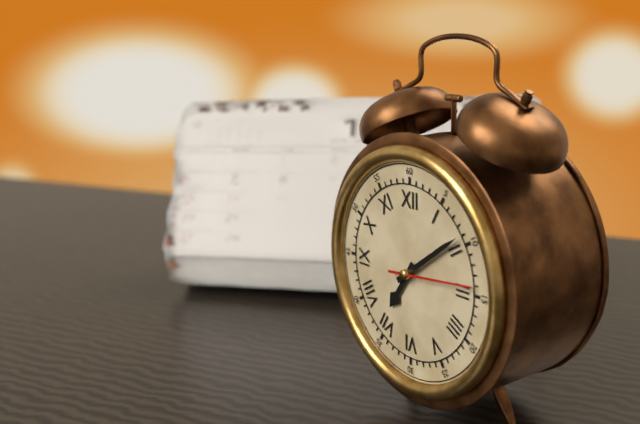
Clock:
h=7 m=9 s=14
